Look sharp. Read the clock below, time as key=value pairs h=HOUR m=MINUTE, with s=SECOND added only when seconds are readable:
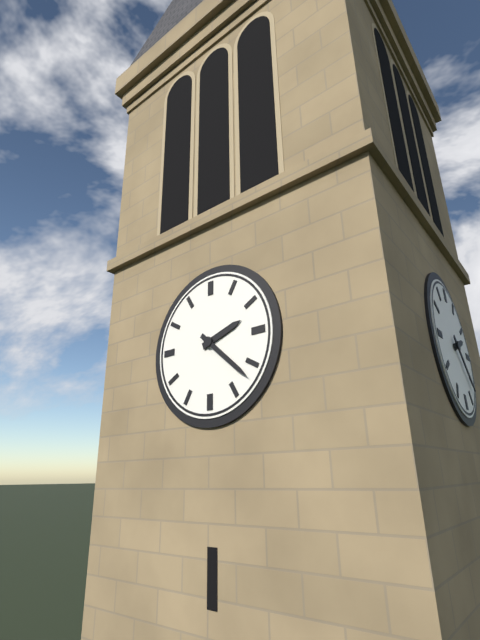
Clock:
h=2 m=22
